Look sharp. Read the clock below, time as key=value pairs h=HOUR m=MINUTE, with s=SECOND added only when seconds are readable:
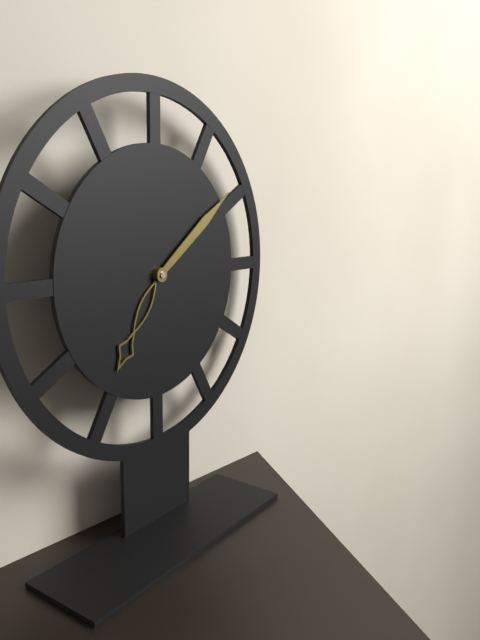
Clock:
h=7 m=9
